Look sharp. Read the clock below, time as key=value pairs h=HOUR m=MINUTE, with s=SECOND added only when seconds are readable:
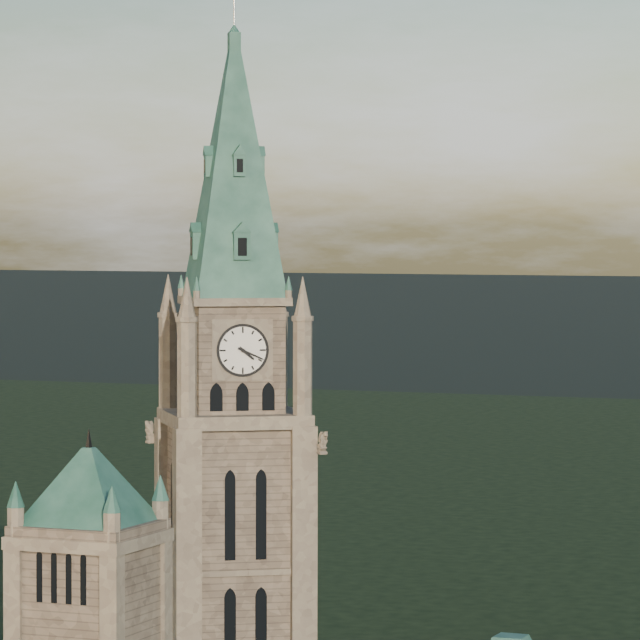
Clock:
h=4 m=19
